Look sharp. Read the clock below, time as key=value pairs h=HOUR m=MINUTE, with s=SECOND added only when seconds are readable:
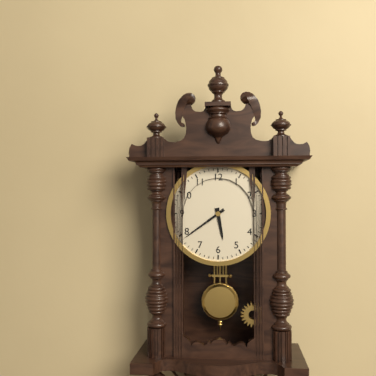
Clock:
h=5 m=39
